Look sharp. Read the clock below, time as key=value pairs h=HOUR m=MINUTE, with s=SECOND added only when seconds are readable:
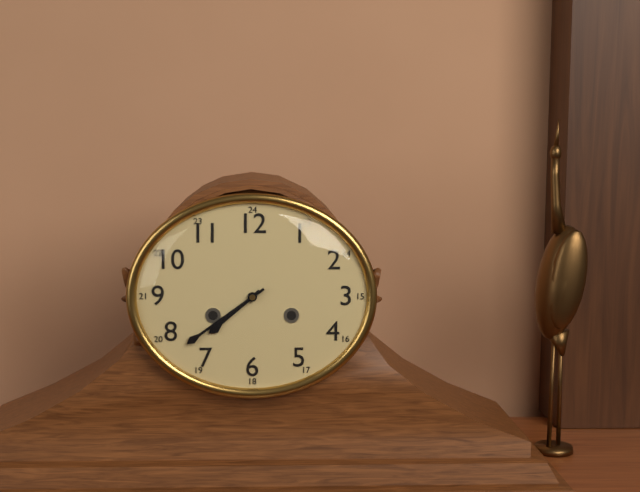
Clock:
h=7 m=39
